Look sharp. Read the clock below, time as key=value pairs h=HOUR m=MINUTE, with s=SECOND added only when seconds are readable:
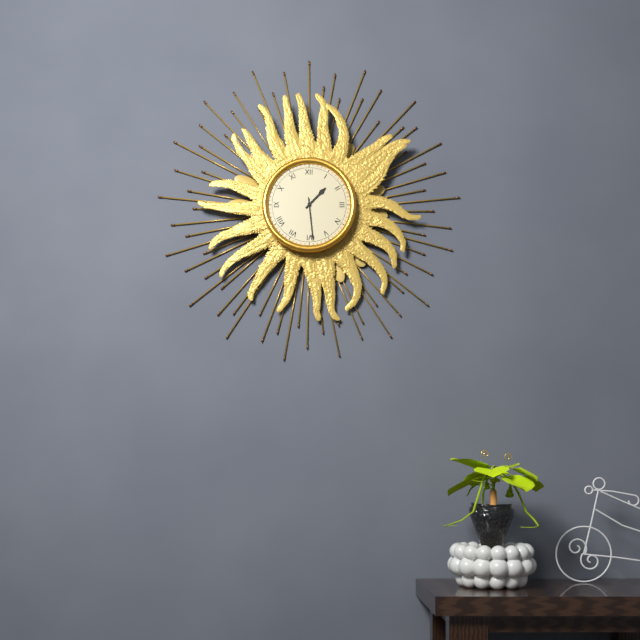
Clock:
h=1 m=29
